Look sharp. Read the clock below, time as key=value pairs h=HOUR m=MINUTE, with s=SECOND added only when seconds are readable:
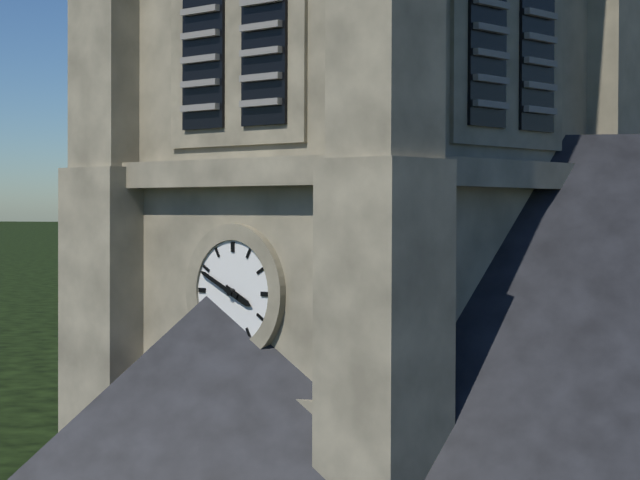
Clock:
h=3 m=49
